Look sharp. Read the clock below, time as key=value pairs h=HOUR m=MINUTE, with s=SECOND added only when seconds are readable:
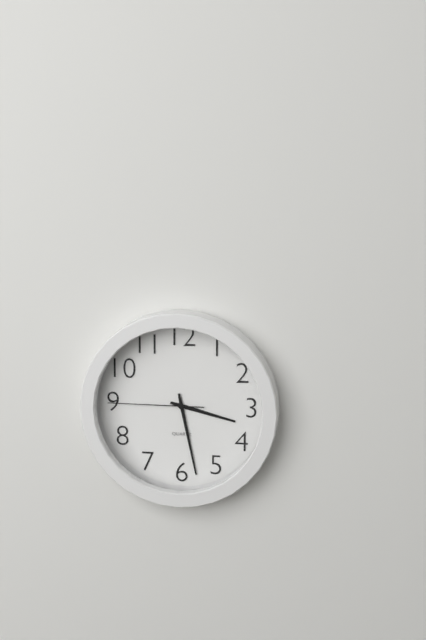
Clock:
h=3 m=28 s=45
